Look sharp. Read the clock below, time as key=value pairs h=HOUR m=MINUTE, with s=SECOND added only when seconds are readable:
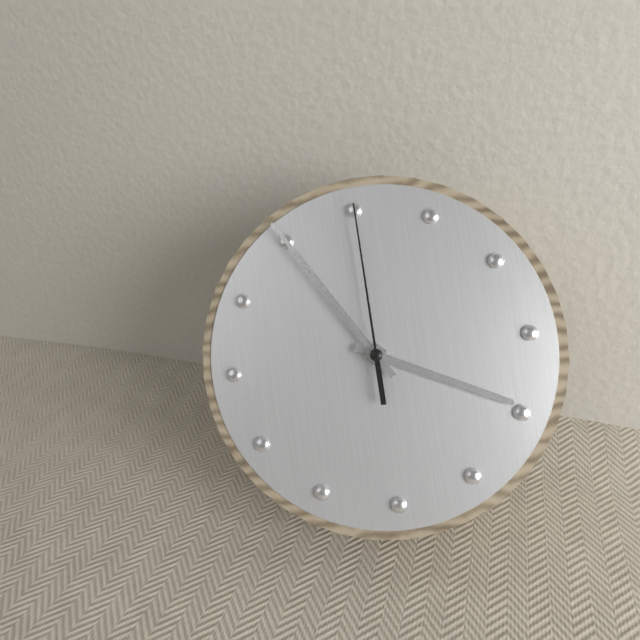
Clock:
h=3 m=55 s=0
